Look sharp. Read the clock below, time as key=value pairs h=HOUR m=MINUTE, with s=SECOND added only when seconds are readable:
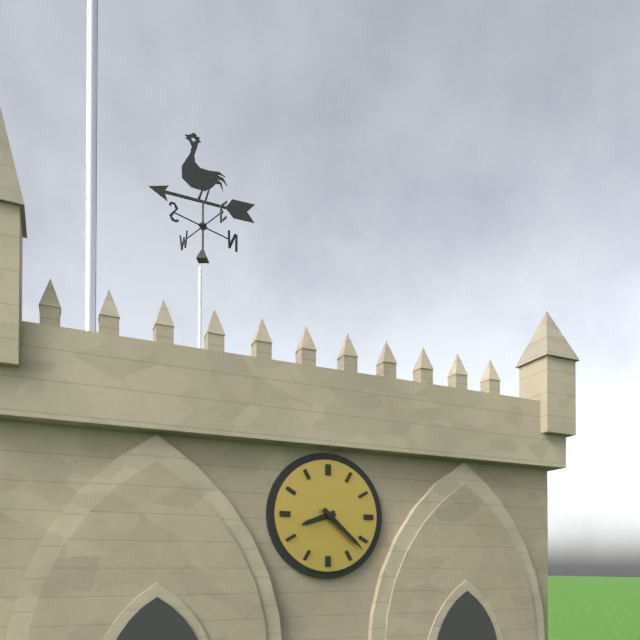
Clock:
h=8 m=22
